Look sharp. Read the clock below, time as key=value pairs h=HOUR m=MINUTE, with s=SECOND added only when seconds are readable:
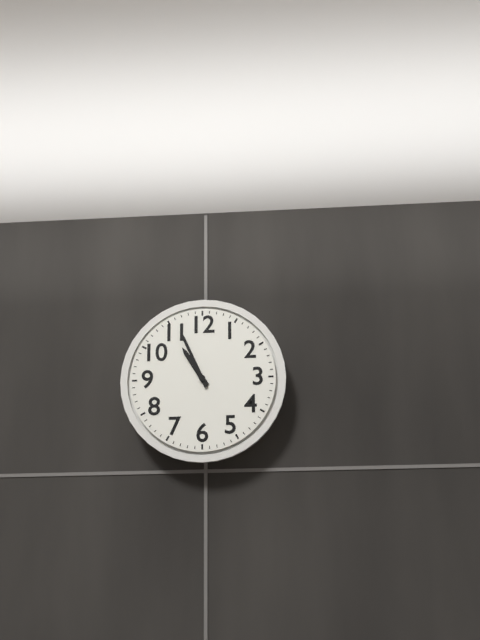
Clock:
h=10 m=56
